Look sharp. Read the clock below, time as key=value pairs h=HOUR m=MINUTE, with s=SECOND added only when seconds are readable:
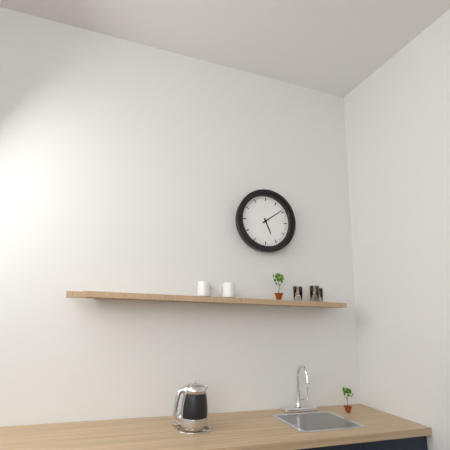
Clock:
h=5 m=9
